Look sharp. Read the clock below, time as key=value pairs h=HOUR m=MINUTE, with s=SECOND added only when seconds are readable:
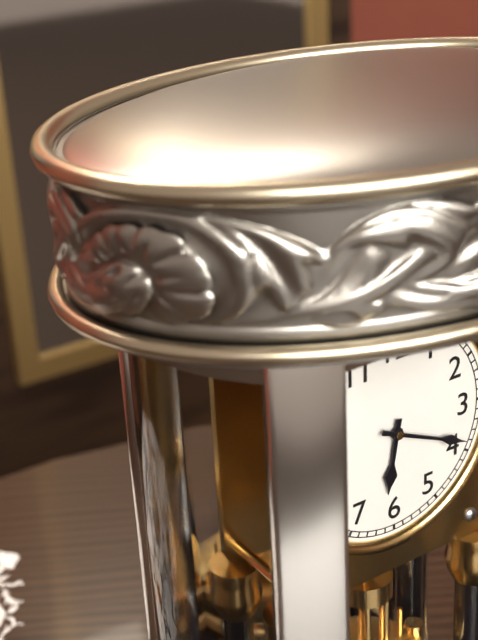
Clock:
h=6 m=19
